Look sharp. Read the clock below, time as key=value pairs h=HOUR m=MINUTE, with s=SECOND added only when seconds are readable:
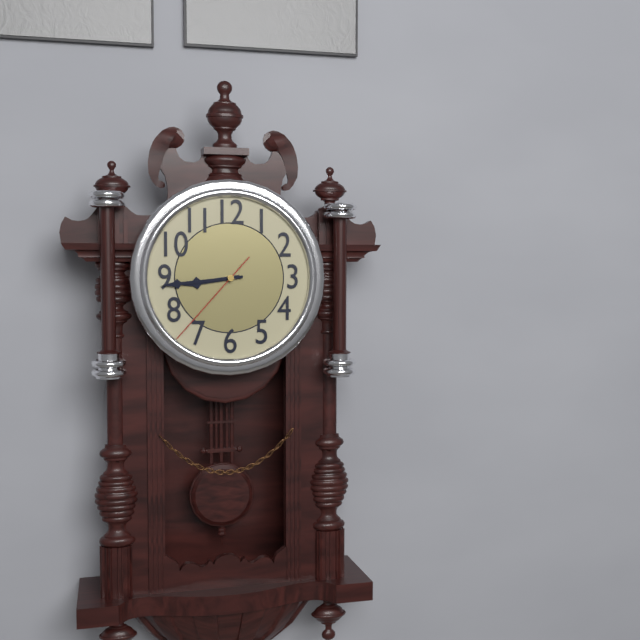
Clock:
h=8 m=44 s=37
